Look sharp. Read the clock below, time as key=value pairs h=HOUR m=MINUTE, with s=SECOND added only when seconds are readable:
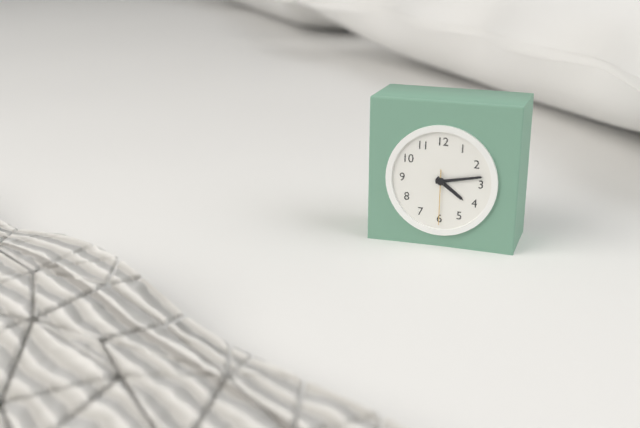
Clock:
h=4 m=13 s=30
